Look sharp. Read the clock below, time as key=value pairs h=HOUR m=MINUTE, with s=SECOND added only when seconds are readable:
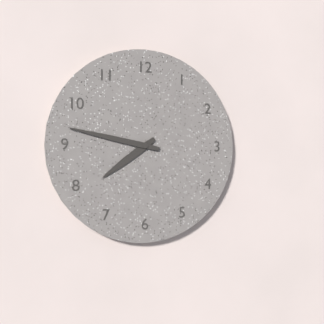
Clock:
h=7 m=47
